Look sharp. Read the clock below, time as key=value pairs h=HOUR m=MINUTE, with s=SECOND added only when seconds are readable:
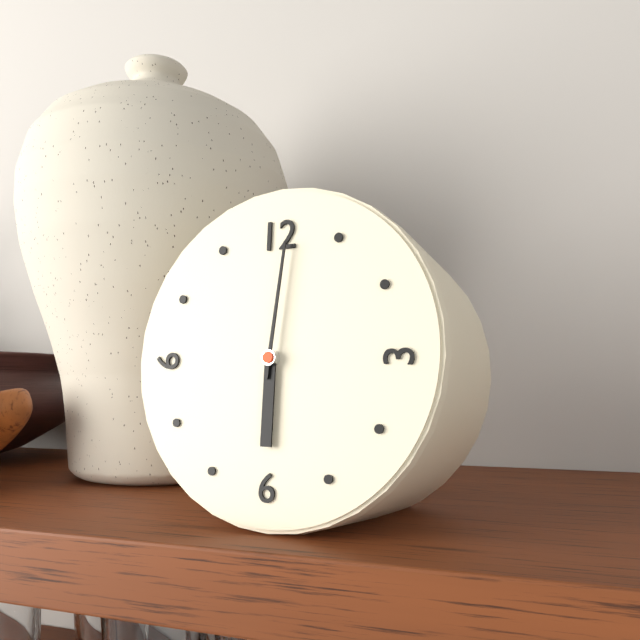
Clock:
h=6 m=1
